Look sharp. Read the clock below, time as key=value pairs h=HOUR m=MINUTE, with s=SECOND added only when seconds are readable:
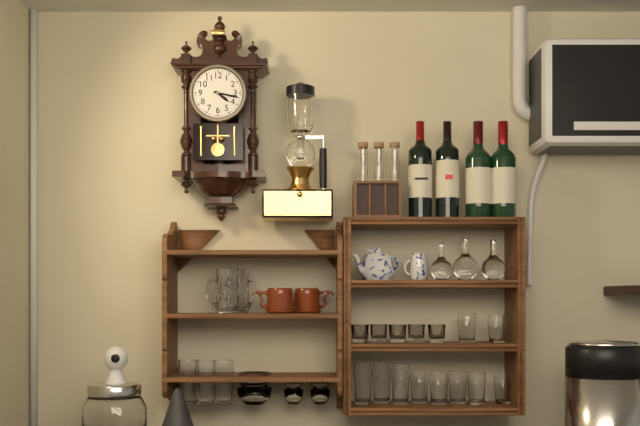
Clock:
h=4 m=17
